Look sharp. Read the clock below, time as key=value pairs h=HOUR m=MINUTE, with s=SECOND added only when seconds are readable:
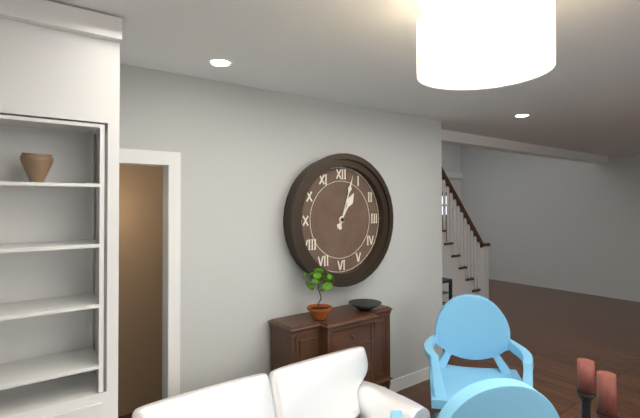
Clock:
h=1 m=3
